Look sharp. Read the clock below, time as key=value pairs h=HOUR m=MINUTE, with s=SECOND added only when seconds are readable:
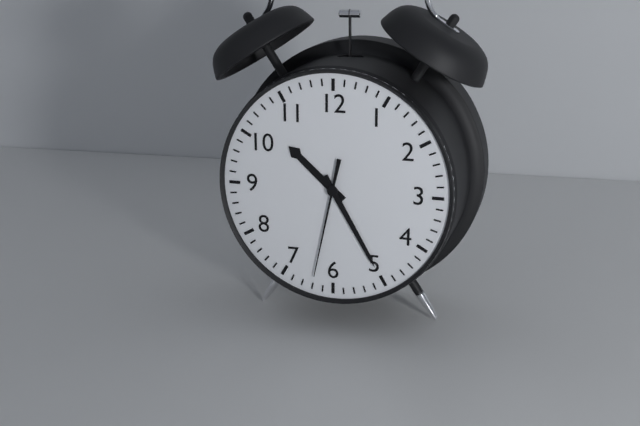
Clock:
h=10 m=25 s=32
